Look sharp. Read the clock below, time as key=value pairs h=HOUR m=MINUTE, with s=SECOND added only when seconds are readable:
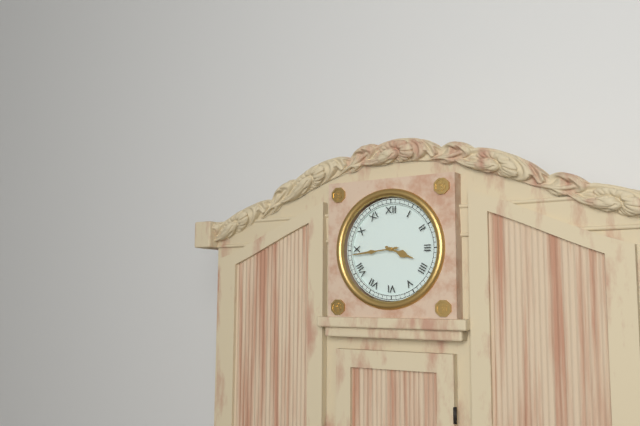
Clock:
h=3 m=44
